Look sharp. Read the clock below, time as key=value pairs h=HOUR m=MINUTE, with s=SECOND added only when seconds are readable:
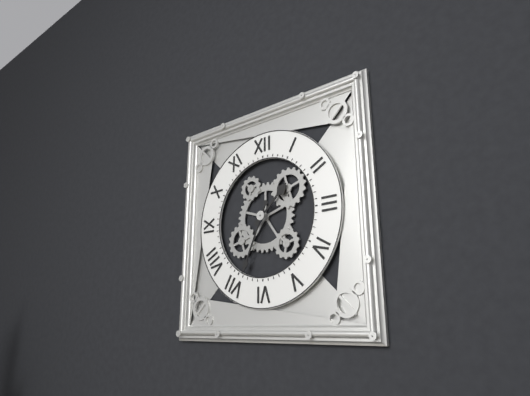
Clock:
h=1 m=34
